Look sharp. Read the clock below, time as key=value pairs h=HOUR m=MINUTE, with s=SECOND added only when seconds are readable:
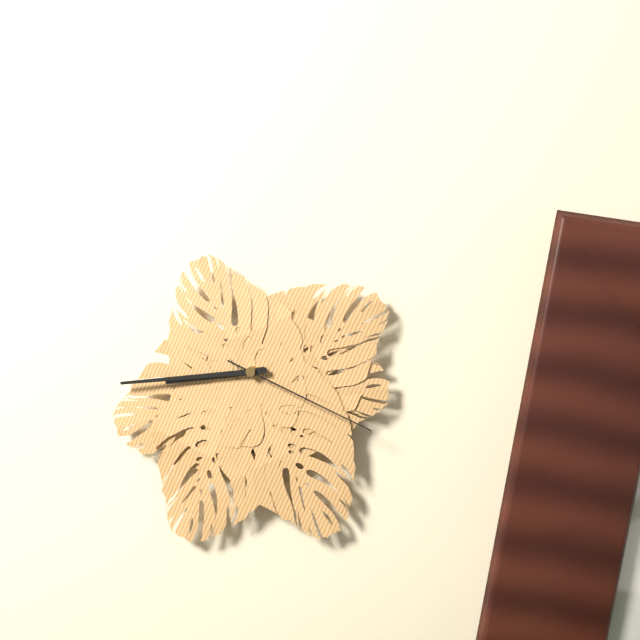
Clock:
h=8 m=44 s=19
